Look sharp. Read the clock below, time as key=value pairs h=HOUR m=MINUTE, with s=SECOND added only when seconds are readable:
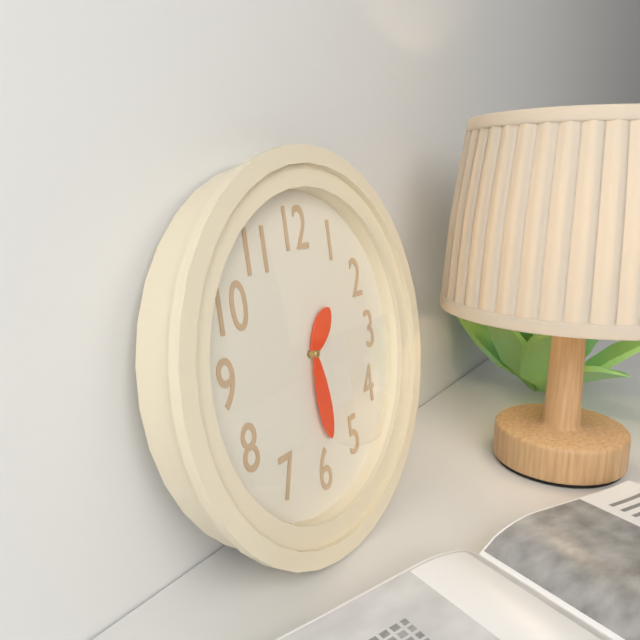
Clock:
h=1 m=29
